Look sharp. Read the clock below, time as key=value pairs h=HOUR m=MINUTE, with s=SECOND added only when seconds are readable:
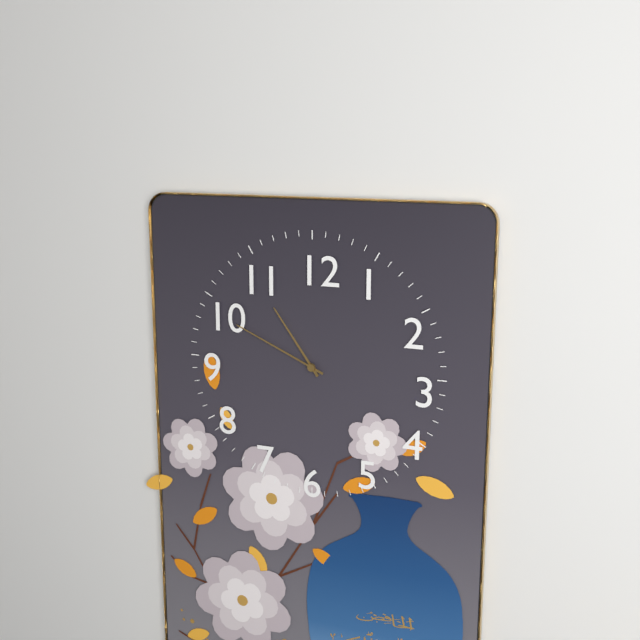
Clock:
h=10 m=49
